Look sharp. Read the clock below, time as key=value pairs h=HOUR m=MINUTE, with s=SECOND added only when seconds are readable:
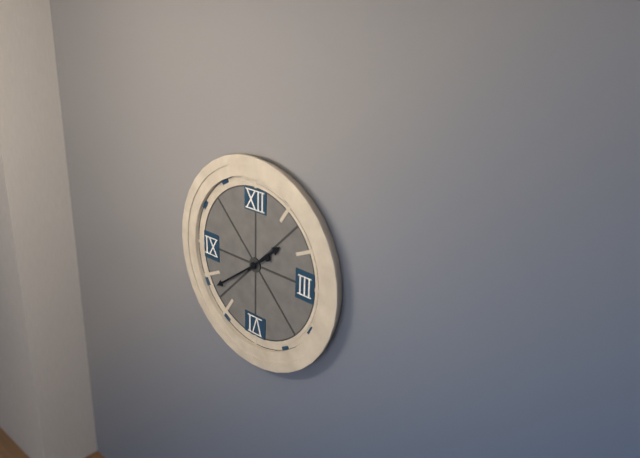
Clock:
h=1 m=39
